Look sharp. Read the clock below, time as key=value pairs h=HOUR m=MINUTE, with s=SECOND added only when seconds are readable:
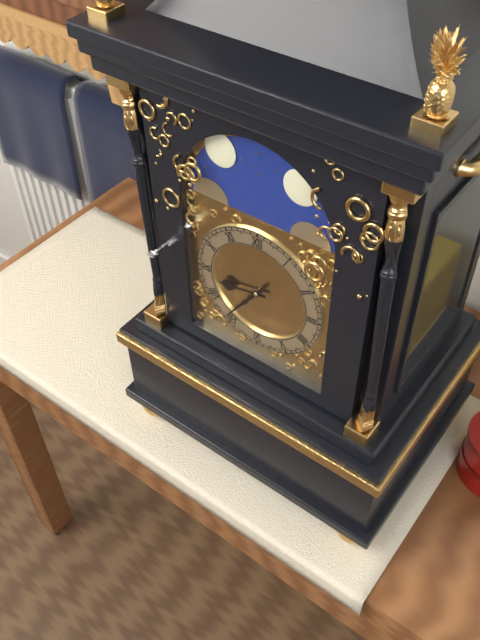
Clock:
h=8 m=36
